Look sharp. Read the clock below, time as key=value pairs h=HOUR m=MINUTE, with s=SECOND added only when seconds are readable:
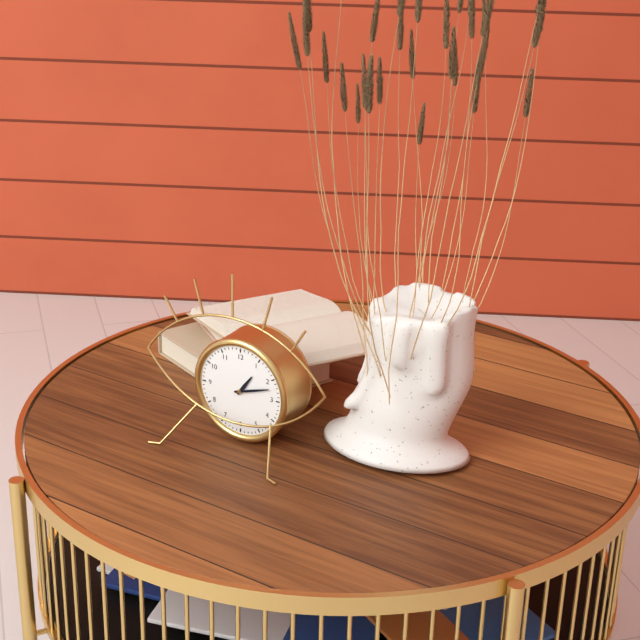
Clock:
h=1 m=12
